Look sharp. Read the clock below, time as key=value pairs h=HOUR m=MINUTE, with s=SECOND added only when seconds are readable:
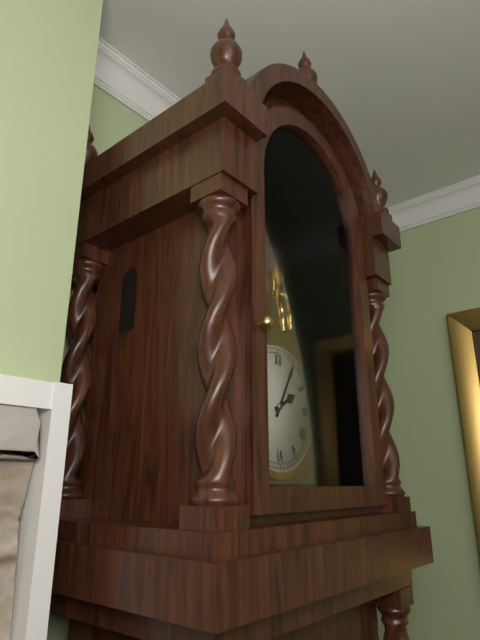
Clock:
h=2 m=5
